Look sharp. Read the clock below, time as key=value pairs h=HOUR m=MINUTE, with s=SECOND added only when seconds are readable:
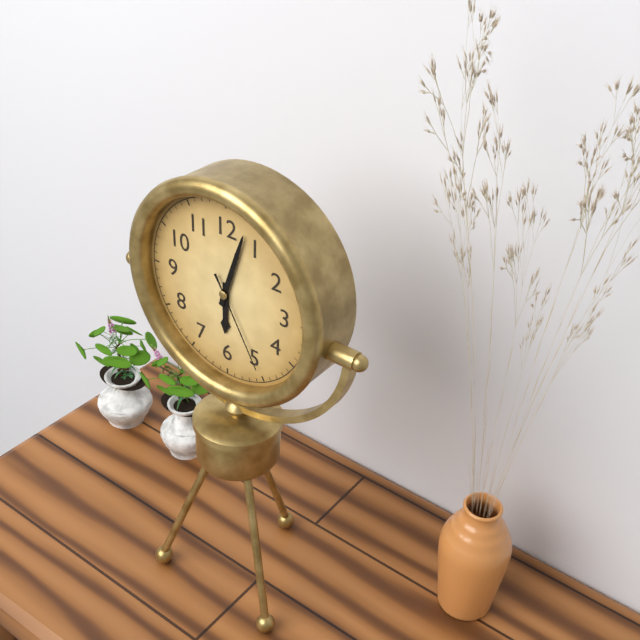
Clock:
h=6 m=3 s=25
